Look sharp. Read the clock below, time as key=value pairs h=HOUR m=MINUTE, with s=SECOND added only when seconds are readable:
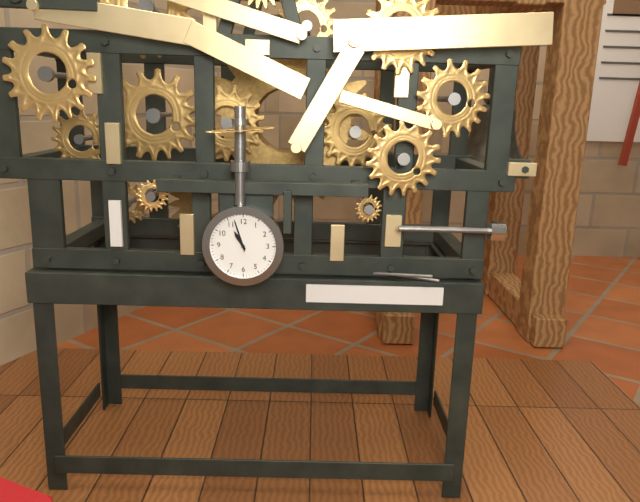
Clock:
h=10 m=57
